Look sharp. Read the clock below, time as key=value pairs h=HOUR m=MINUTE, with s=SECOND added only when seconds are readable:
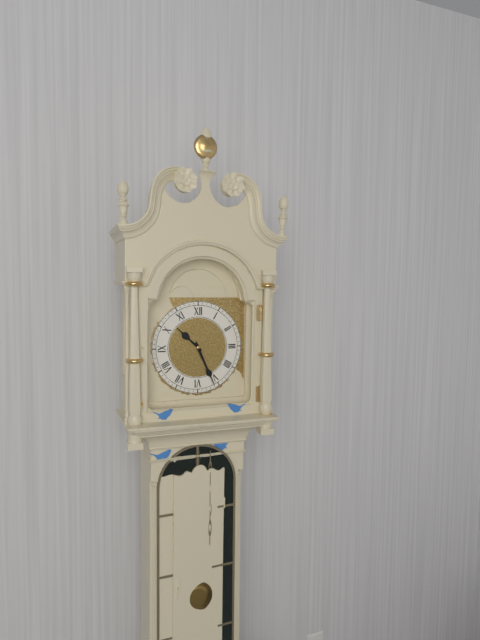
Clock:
h=10 m=26
